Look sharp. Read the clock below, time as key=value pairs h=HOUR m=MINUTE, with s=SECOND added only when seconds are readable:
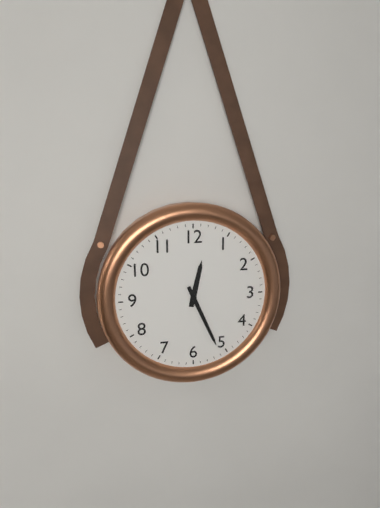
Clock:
h=12 m=26
